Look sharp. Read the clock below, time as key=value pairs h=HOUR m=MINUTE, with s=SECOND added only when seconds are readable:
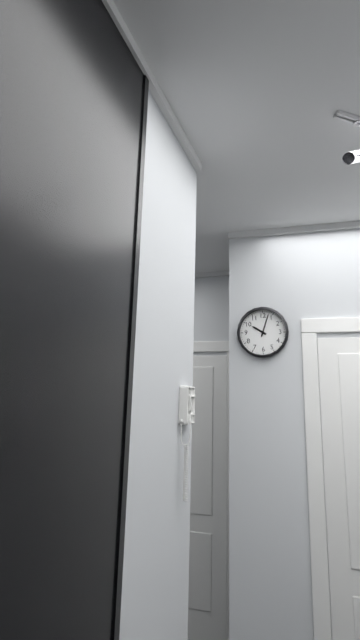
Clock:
h=10 m=3
